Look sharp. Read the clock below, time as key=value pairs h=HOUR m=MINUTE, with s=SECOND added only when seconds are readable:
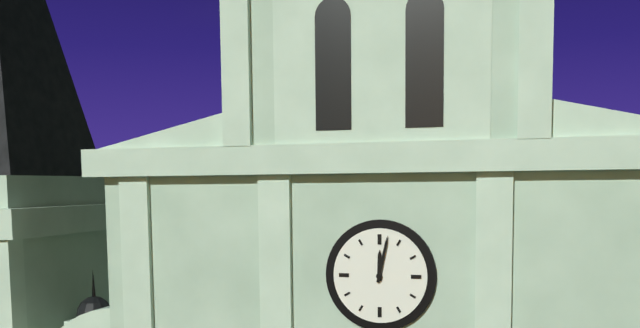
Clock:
h=12 m=2
